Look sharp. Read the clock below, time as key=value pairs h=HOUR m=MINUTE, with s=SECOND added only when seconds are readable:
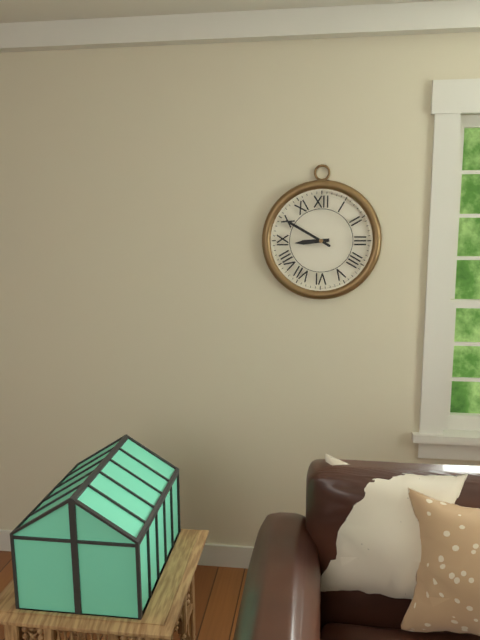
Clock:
h=8 m=50
